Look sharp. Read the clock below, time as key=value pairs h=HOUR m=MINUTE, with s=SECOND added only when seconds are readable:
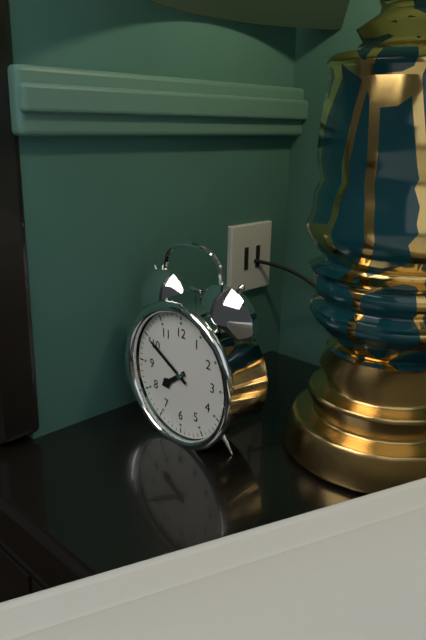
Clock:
h=7 m=50
